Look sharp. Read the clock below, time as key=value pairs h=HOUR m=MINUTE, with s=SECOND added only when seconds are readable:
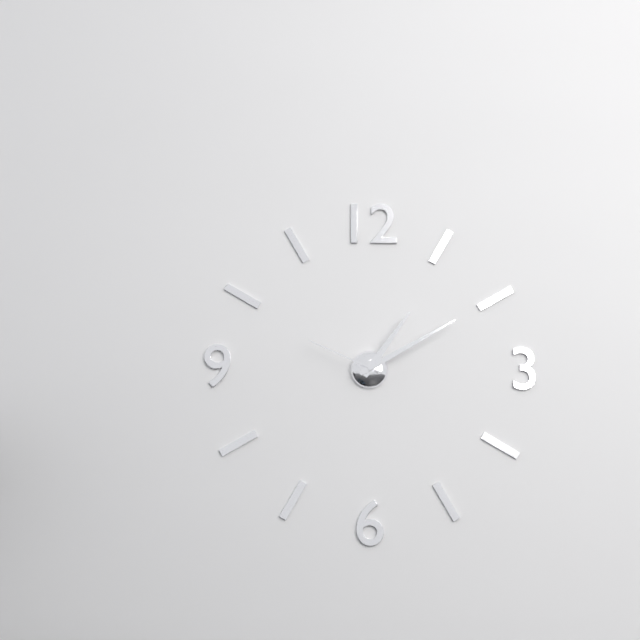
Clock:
h=1 m=10 s=49
